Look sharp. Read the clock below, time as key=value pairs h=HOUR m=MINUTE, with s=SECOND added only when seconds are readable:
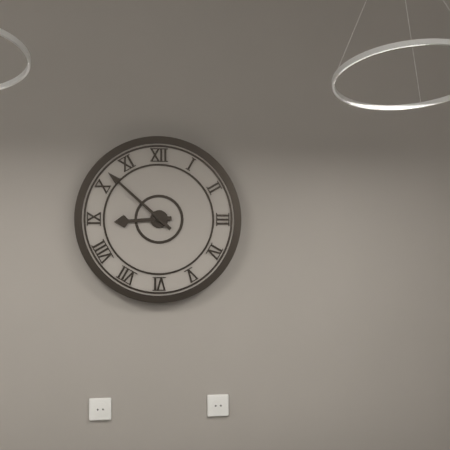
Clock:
h=8 m=52
